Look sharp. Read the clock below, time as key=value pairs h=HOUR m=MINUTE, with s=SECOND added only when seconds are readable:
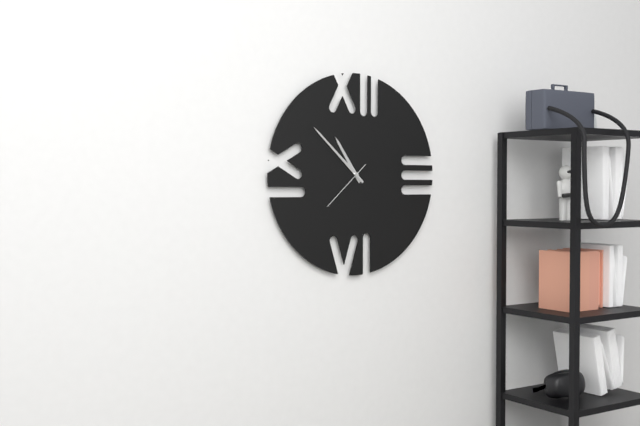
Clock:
h=10 m=52 s=38
